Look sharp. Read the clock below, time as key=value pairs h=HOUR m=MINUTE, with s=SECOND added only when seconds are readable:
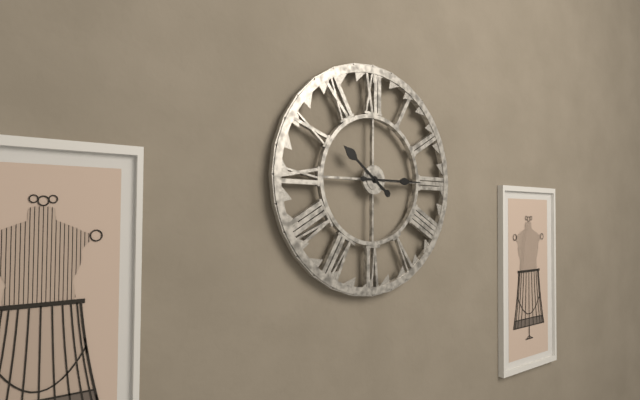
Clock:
h=10 m=15
